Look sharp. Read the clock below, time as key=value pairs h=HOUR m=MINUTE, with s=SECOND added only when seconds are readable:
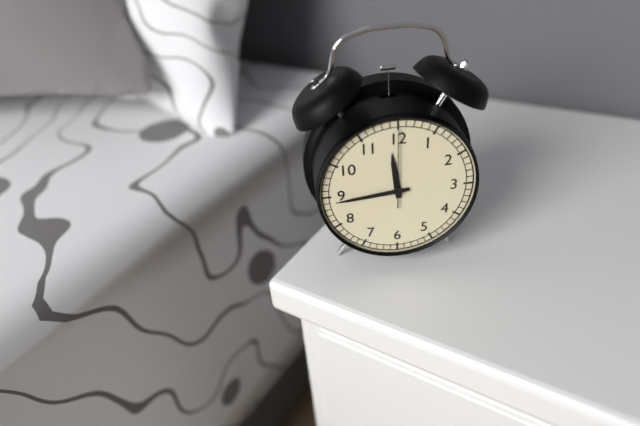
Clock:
h=11 m=44 s=0
